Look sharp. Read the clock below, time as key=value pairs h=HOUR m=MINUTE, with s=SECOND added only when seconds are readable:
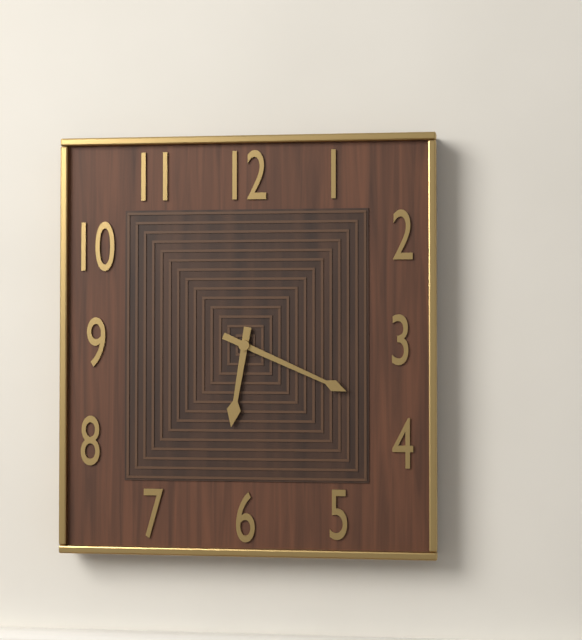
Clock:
h=6 m=19
